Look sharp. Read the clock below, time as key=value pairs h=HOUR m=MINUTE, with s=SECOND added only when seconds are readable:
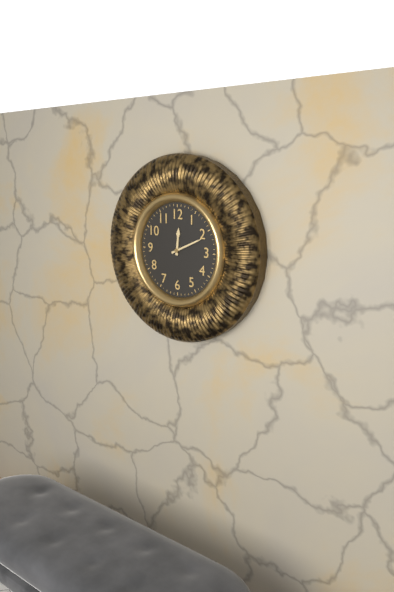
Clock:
h=12 m=11
